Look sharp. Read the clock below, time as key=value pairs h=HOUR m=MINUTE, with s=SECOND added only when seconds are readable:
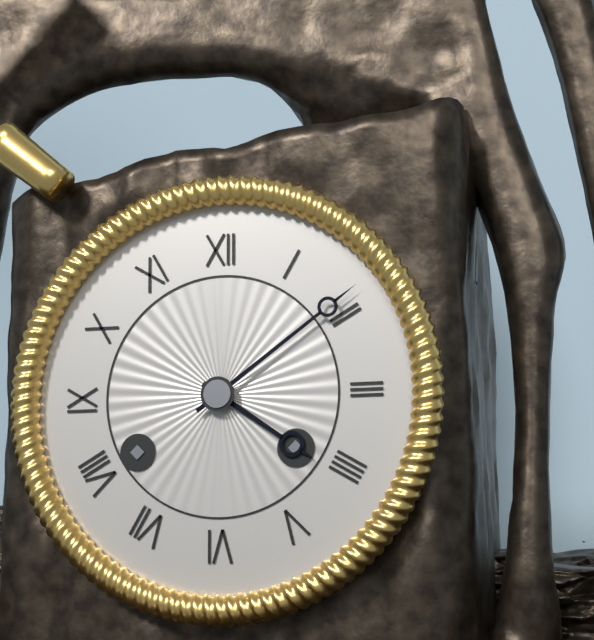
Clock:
h=4 m=9
